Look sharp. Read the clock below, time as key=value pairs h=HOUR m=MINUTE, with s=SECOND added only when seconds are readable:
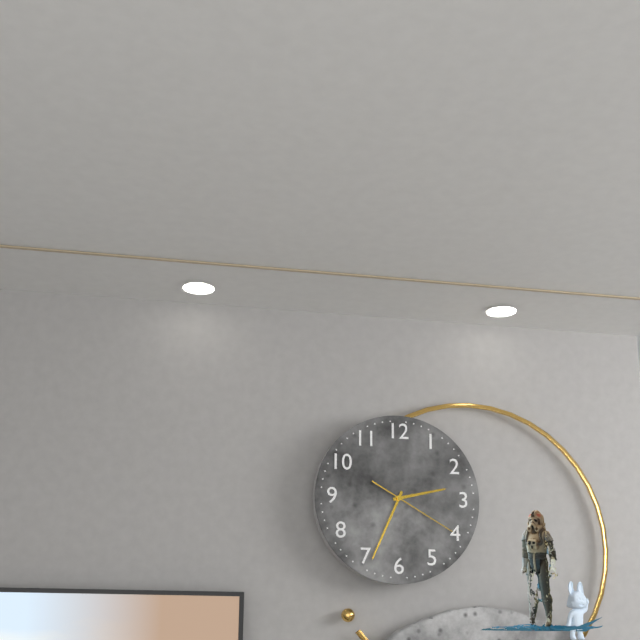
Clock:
h=2 m=34 s=20
